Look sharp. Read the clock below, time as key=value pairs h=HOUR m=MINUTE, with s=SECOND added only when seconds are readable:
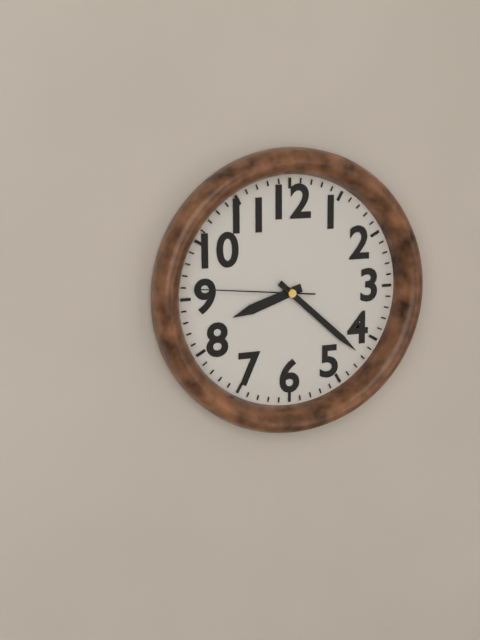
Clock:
h=8 m=22 s=46
